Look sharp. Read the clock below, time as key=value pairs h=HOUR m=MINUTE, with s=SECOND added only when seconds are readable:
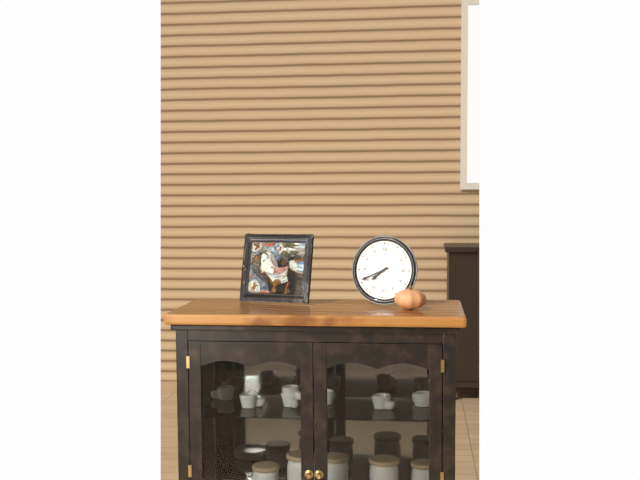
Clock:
h=7 m=41
